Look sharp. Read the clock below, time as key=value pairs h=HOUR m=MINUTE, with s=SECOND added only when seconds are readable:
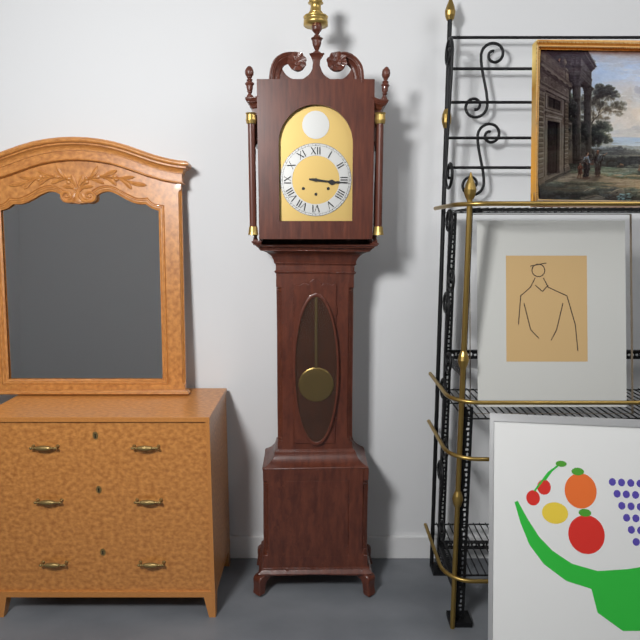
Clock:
h=3 m=16
